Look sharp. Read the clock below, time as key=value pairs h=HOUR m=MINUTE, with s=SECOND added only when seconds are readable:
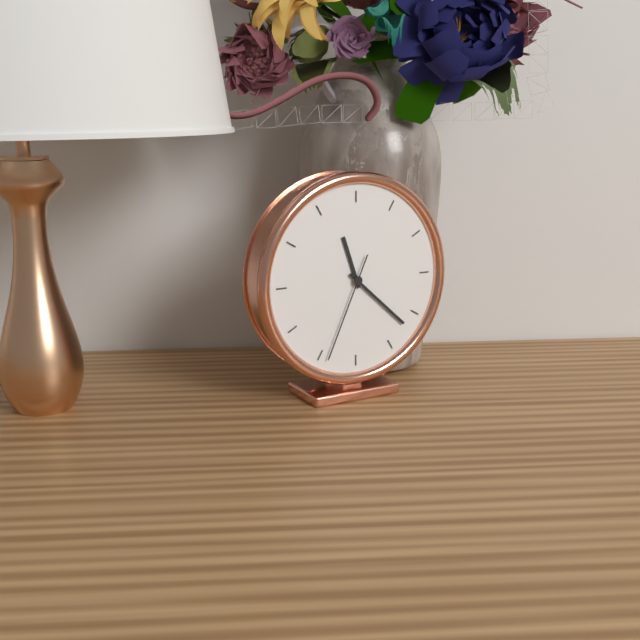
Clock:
h=11 m=22 s=34
